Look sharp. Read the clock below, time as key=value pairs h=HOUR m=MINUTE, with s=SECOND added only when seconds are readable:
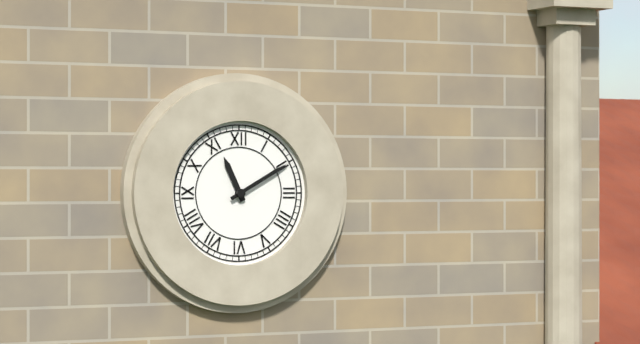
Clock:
h=11 m=10
